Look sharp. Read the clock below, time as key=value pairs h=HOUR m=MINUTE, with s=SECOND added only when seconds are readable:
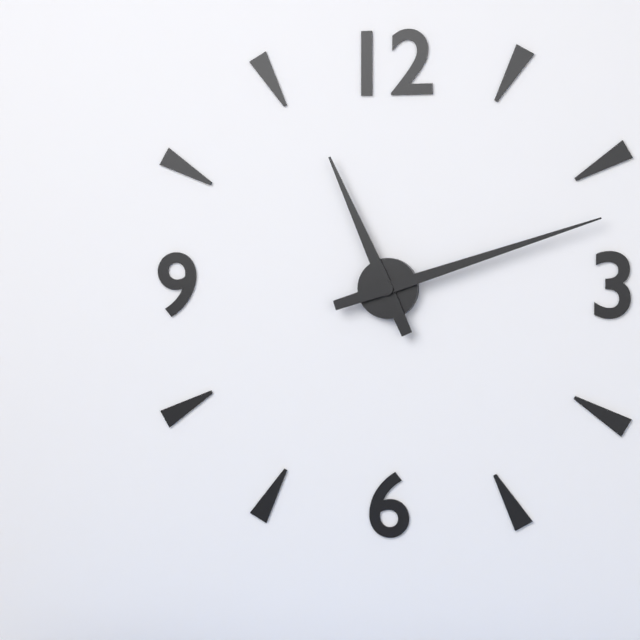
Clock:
h=11 m=12
